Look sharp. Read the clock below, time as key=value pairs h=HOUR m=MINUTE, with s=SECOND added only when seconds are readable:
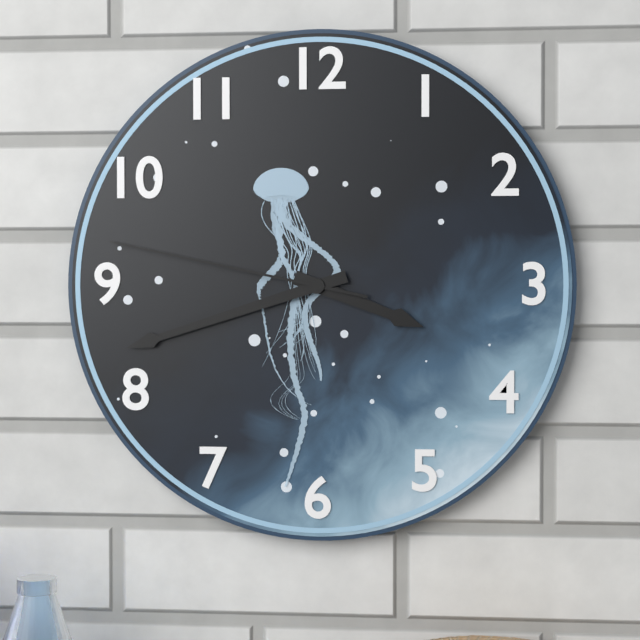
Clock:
h=3 m=42 s=47
